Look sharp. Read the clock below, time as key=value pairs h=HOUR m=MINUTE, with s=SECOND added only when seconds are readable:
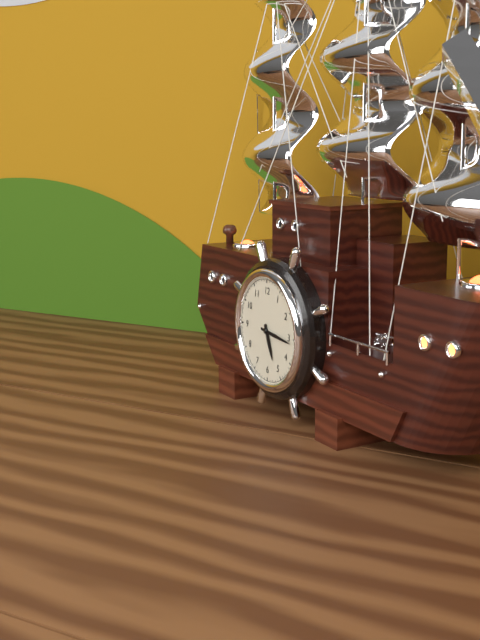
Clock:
h=5 m=16
